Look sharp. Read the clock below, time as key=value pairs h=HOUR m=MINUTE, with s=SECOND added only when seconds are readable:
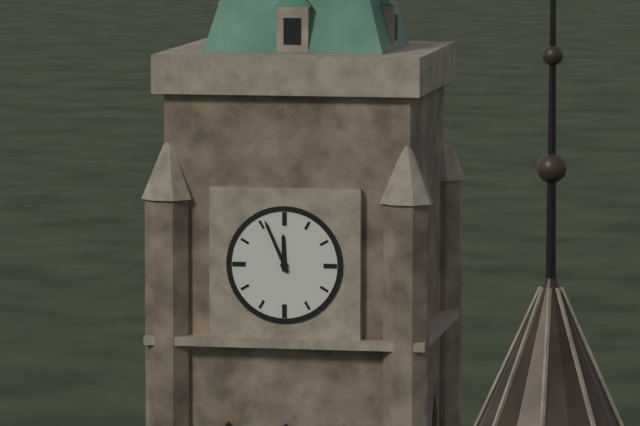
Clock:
h=11 m=56
